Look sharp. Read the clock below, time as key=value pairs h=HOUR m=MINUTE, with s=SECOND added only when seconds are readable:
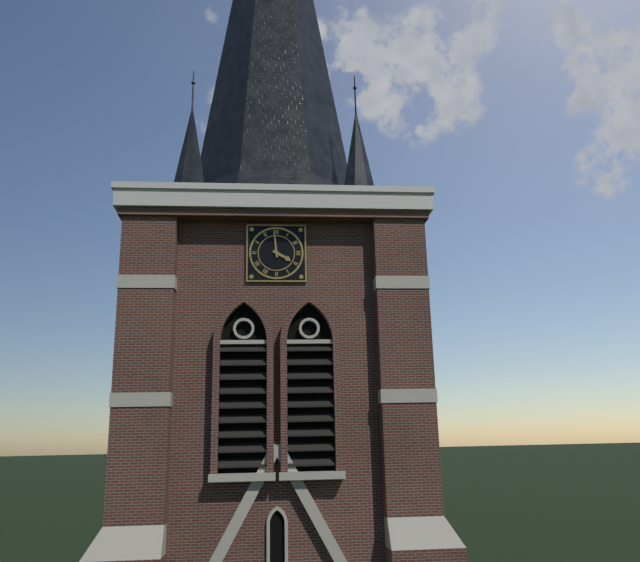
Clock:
h=3 m=59
